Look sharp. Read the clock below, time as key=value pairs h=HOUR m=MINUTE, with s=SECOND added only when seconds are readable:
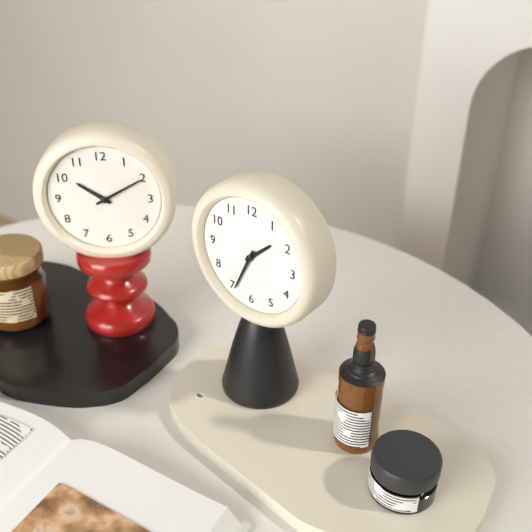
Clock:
h=1 m=34
